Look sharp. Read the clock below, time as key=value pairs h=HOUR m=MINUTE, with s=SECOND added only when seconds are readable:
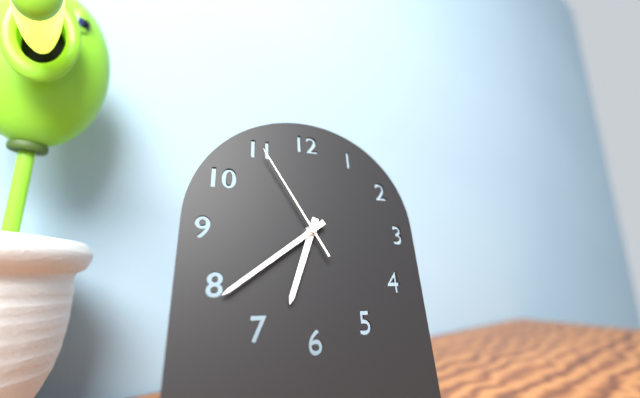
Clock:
h=6 m=39 s=55
